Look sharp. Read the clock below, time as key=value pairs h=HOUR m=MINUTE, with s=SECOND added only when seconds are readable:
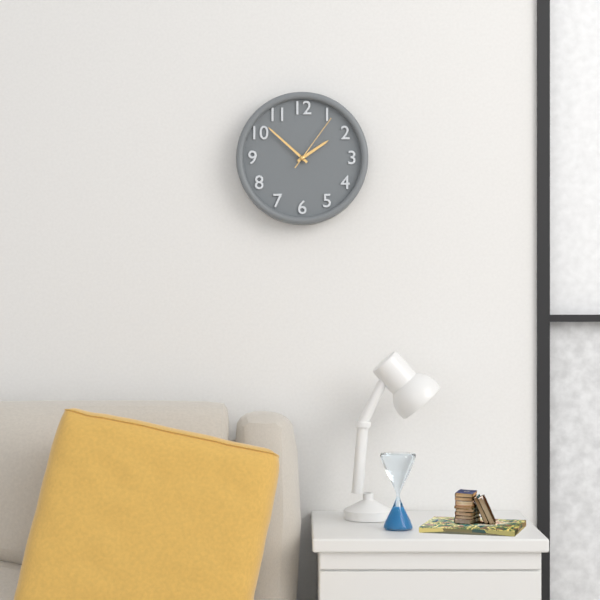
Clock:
h=1 m=52 s=6
